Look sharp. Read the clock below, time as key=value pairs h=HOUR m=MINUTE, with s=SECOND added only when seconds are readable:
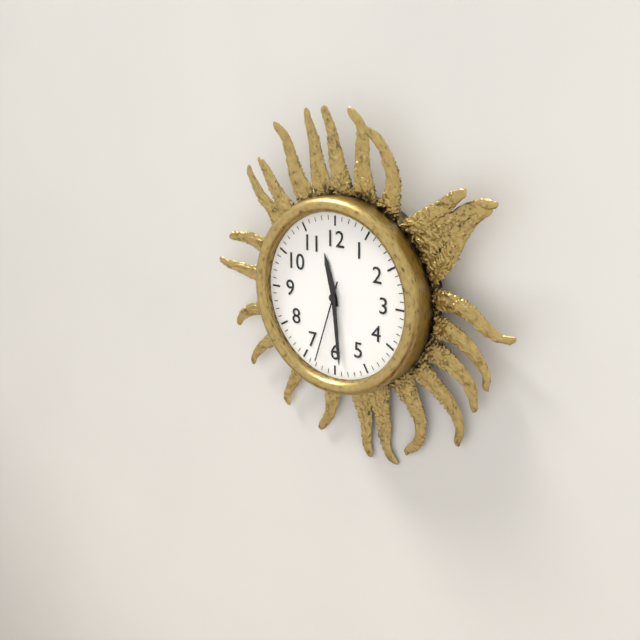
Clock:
h=11 m=29 s=33
